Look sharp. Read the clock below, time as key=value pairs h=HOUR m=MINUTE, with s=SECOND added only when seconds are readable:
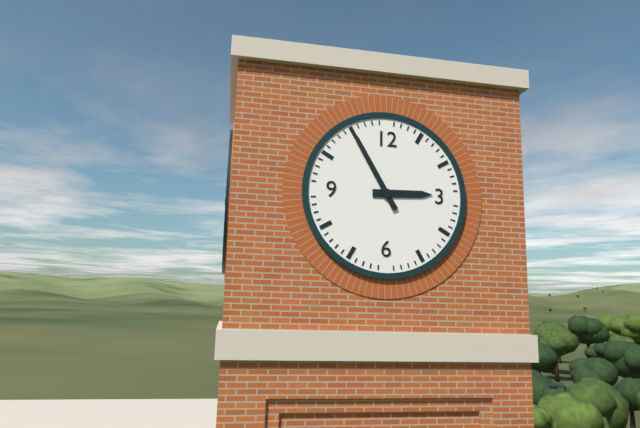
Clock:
h=2 m=55
